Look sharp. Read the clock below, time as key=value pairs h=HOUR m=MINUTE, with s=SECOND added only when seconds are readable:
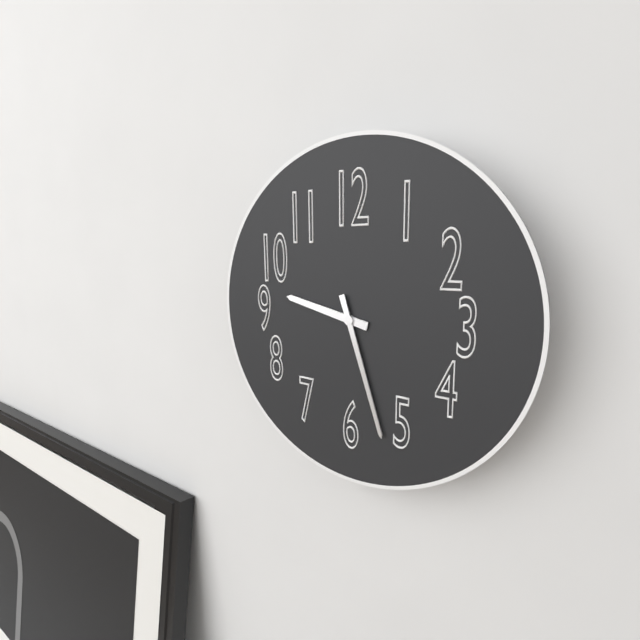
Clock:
h=9 m=27
